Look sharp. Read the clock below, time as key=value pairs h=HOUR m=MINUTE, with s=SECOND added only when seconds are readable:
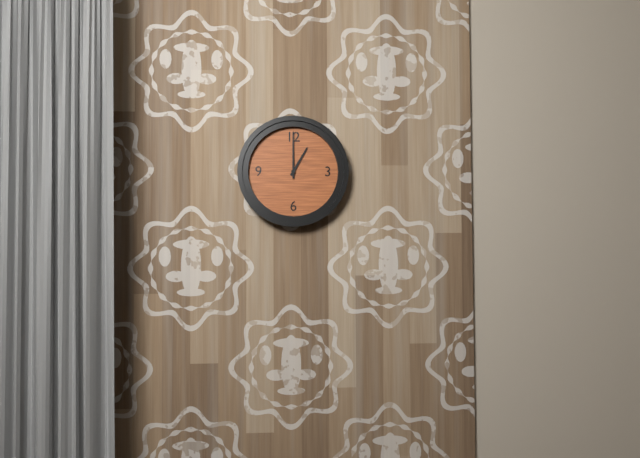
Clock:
h=1 m=0
